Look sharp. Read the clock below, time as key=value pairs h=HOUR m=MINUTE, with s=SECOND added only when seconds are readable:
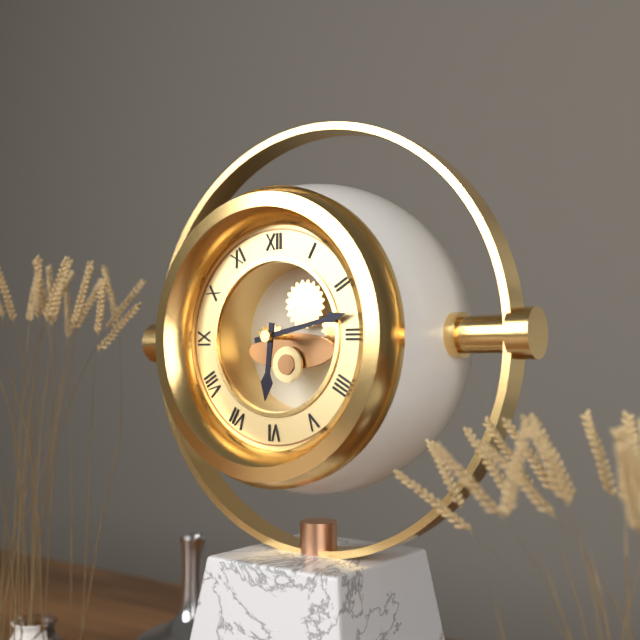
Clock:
h=6 m=13
